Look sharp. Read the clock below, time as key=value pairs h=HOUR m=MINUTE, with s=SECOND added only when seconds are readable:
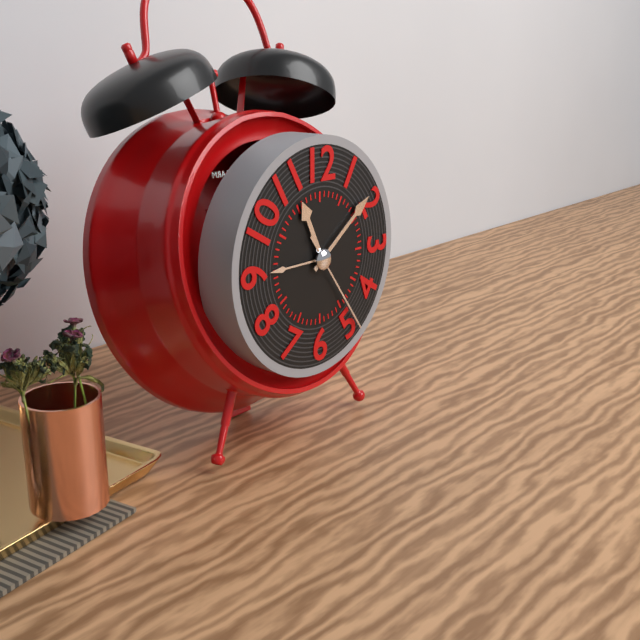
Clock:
h=11 m=9 s=24
